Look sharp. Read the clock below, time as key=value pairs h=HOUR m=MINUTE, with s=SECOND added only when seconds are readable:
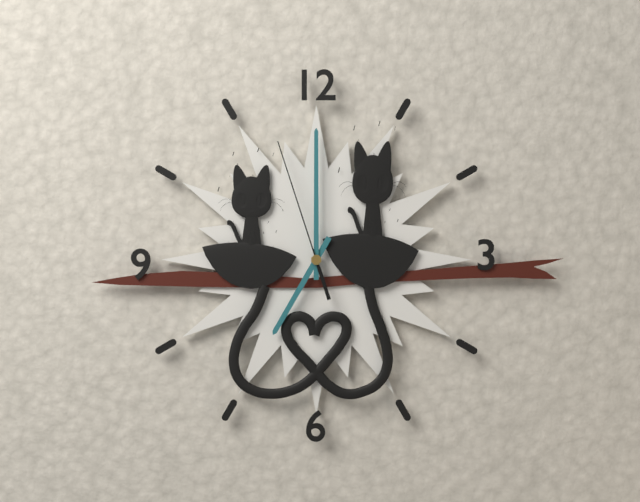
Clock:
h=7 m=0 s=57
